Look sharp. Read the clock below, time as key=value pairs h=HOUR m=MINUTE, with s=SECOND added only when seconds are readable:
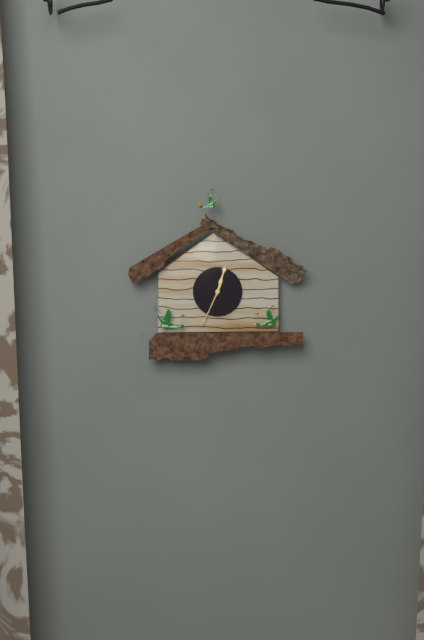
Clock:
h=12 m=34
